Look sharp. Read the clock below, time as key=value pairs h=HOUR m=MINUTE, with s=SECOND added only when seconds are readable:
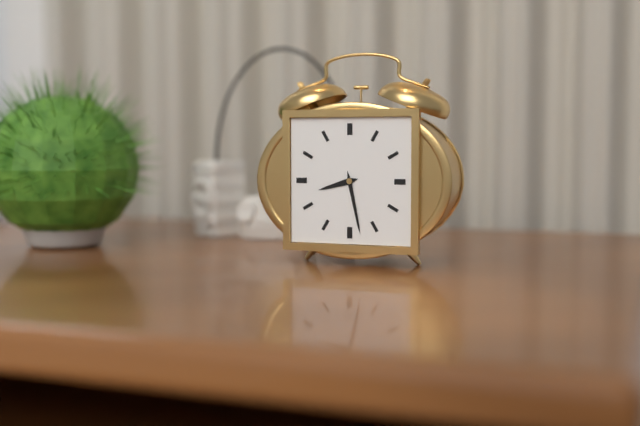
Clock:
h=8 m=28
